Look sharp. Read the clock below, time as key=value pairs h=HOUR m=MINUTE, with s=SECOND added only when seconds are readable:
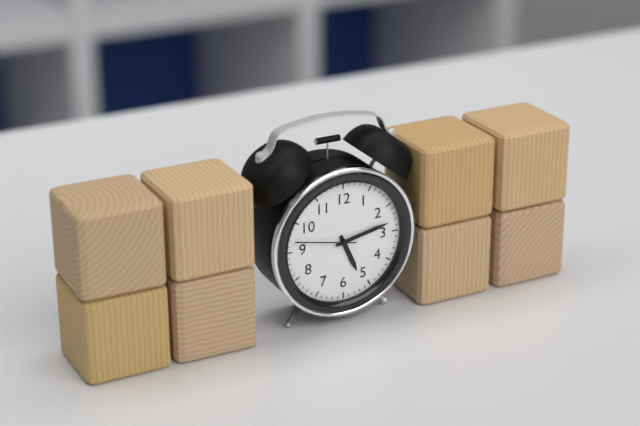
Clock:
h=5 m=13 s=47
